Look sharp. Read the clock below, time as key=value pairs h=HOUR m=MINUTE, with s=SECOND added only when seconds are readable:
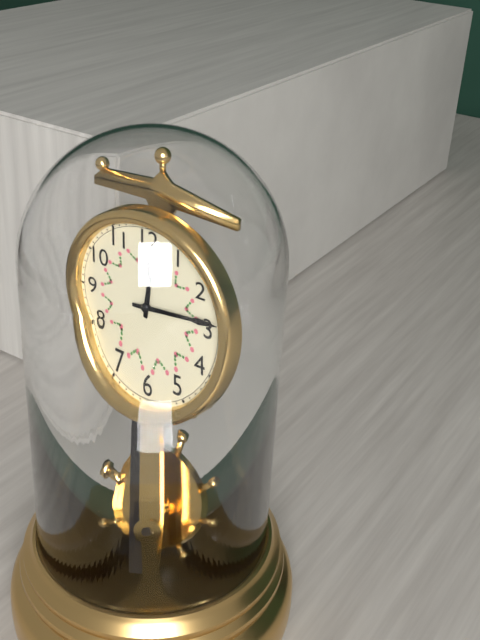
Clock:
h=12 m=14
